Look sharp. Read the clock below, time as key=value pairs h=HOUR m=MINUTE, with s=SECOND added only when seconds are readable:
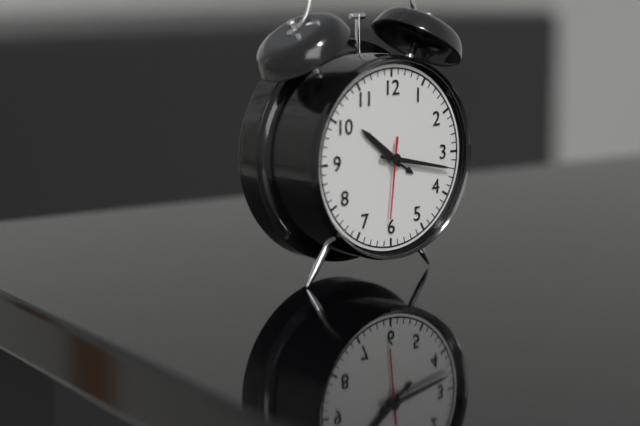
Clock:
h=10 m=17 s=31
